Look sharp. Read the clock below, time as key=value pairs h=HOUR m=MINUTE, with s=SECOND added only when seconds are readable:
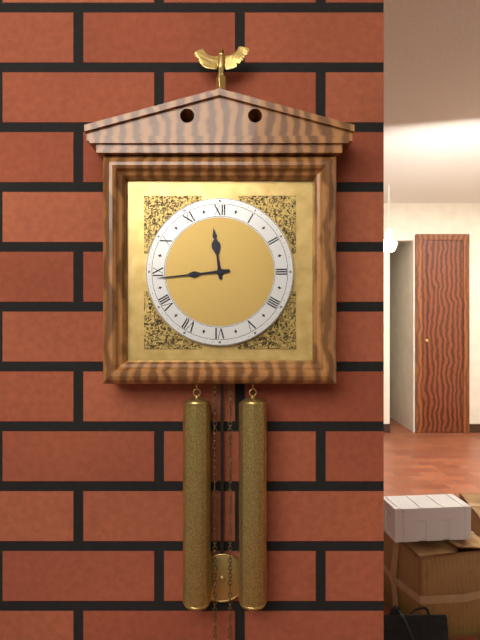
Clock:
h=11 m=44
